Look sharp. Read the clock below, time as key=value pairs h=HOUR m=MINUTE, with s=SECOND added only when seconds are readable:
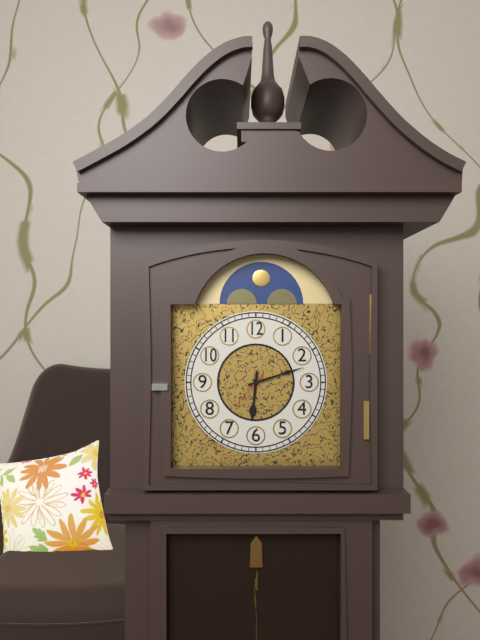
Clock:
h=6 m=12
